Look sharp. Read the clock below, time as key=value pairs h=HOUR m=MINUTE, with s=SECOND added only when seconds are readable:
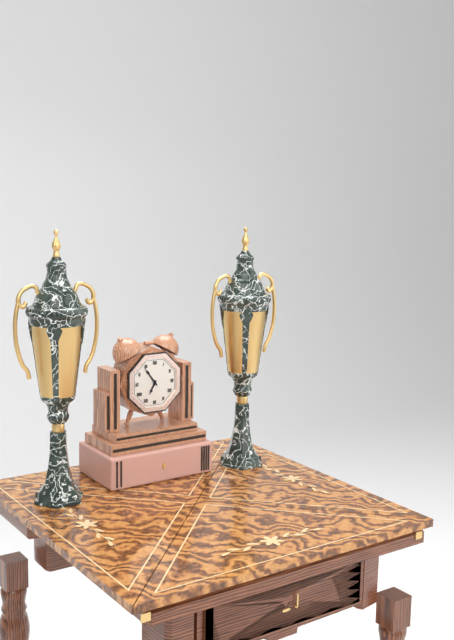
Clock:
h=6 m=54
